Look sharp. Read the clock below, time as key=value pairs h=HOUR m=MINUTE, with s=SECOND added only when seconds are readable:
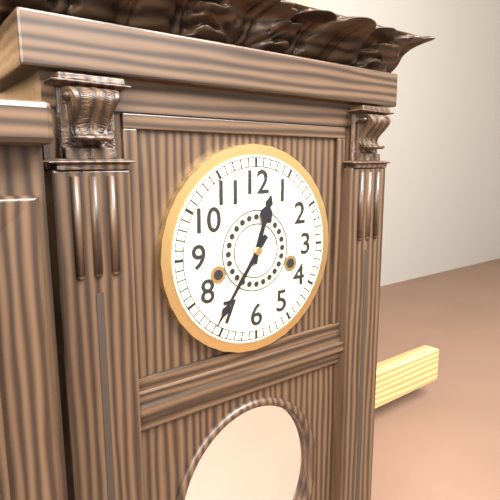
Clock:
h=12 m=36
